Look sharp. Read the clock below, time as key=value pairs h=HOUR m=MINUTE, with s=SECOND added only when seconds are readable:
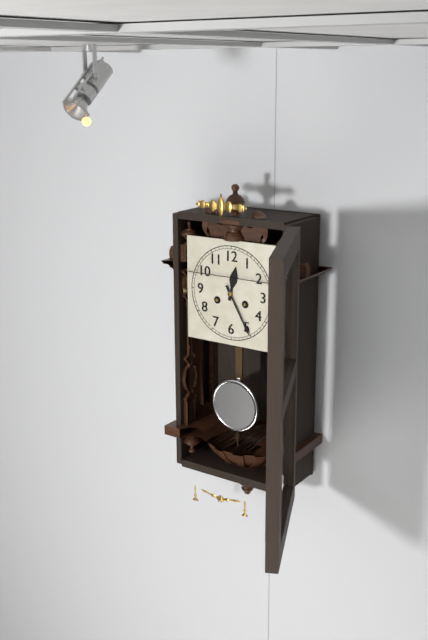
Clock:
h=12 m=25
